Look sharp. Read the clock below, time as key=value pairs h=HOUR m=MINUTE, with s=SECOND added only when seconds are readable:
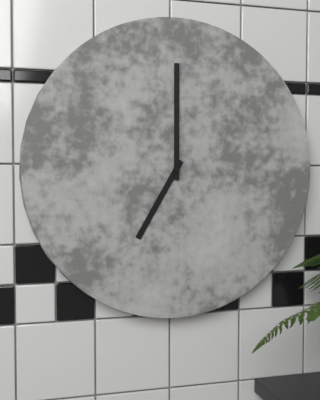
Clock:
h=7 m=0
